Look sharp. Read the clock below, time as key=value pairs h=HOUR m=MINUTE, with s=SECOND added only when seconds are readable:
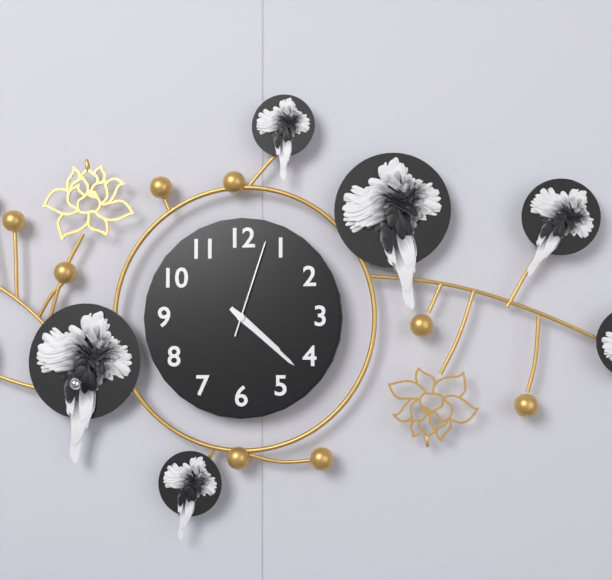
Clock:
h=4 m=22 s=3
